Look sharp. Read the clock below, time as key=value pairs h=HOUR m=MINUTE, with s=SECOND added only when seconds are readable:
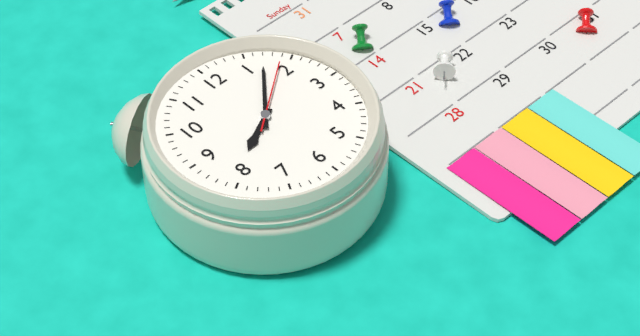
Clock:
h=8 m=7 s=9
